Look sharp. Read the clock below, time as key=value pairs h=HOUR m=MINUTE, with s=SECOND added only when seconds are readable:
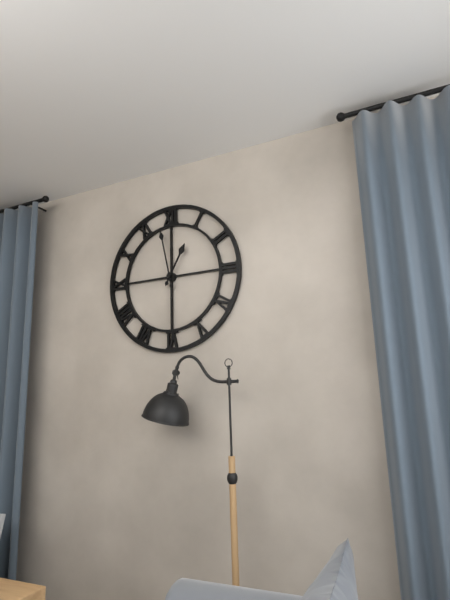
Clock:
h=12 m=58
